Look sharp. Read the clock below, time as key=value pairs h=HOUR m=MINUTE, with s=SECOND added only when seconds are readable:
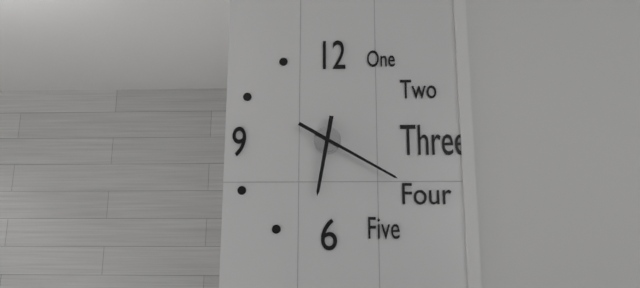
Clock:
h=6 m=20
